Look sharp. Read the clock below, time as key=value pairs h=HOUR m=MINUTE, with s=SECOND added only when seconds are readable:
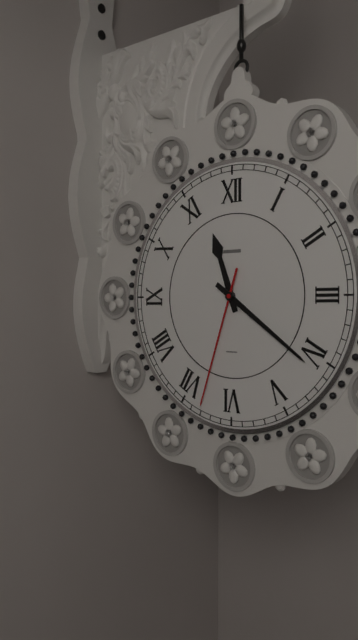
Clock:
h=11 m=21 s=33
